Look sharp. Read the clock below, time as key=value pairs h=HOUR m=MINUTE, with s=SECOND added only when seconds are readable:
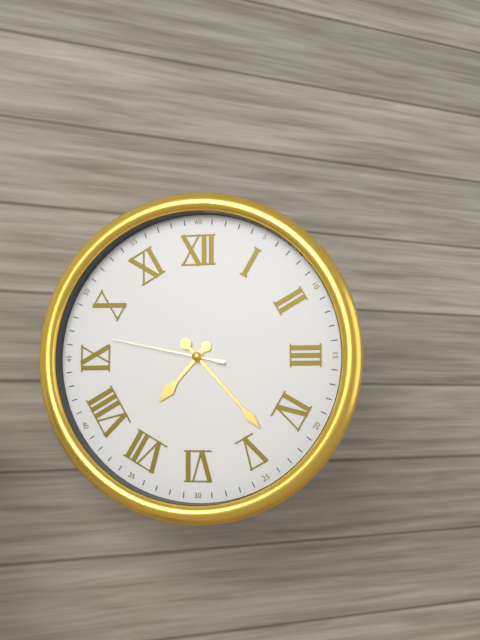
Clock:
h=7 m=23 s=47
